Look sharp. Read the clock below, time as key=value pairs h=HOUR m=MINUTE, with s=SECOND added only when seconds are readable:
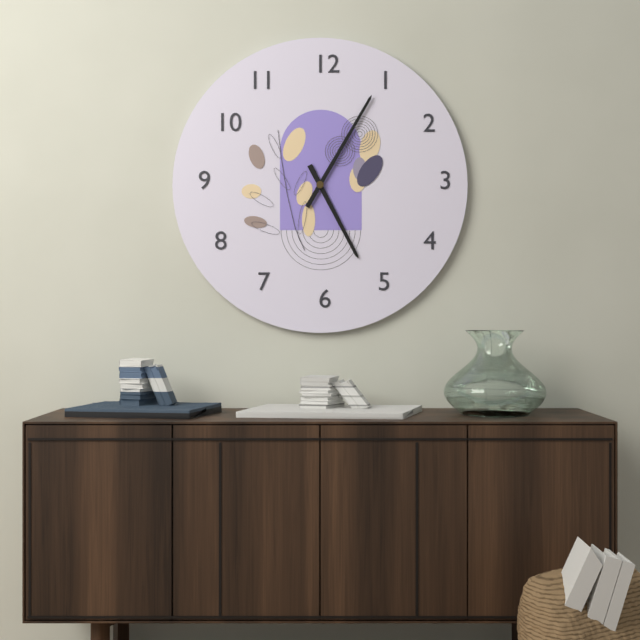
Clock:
h=5 m=5
